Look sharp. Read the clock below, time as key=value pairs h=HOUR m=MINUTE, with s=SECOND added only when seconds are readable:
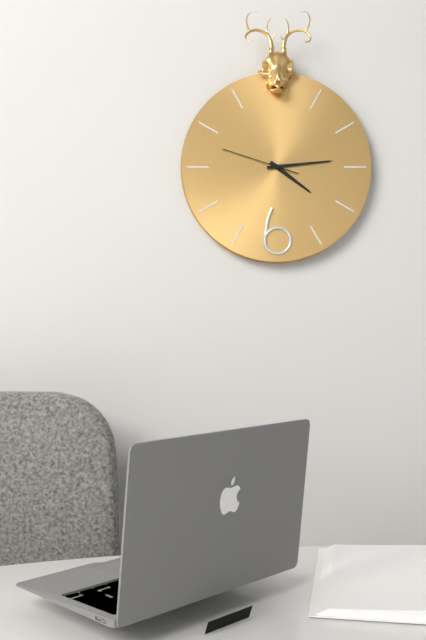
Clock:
h=4 m=14 s=48
